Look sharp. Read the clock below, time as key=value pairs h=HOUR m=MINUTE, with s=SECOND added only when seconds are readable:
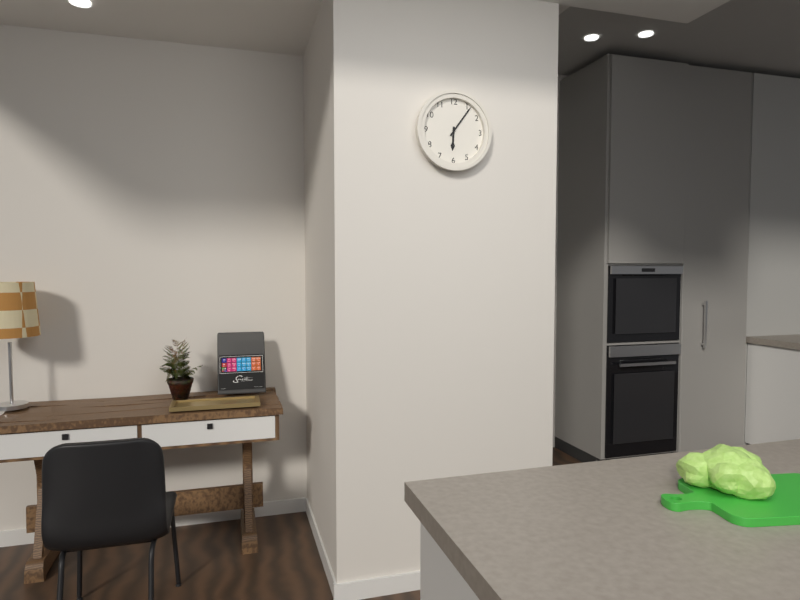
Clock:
h=6 m=6
